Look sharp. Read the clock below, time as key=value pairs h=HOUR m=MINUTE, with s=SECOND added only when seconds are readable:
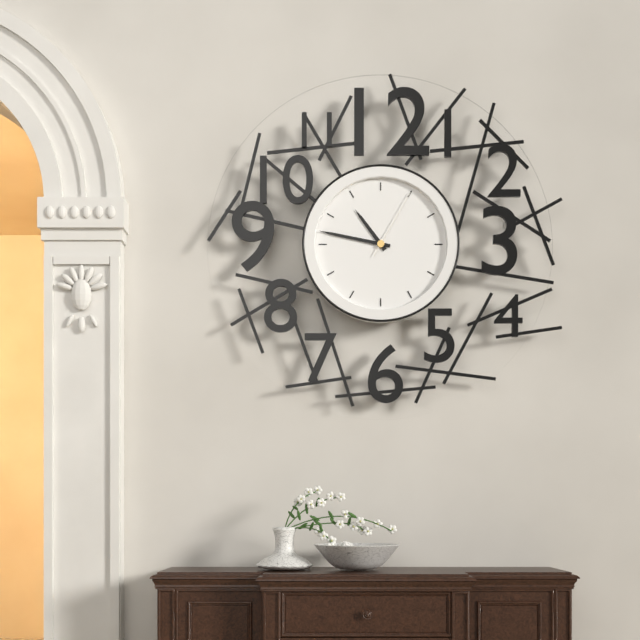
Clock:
h=10 m=47 s=5
